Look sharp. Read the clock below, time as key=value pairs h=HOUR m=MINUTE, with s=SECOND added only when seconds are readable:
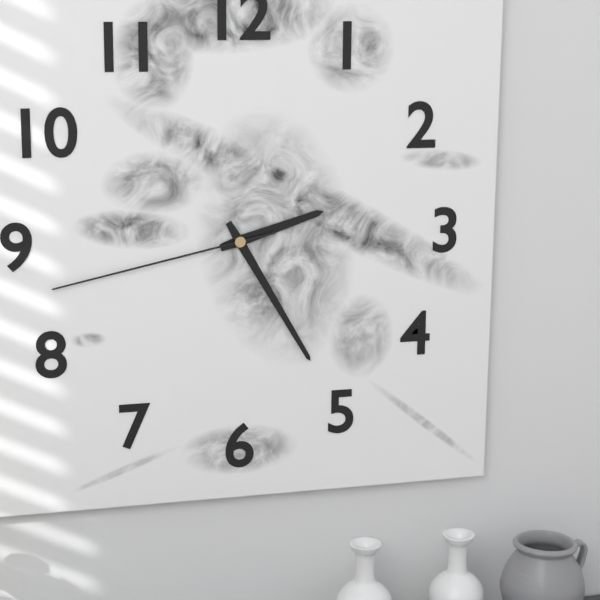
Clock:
h=2 m=25 s=43
